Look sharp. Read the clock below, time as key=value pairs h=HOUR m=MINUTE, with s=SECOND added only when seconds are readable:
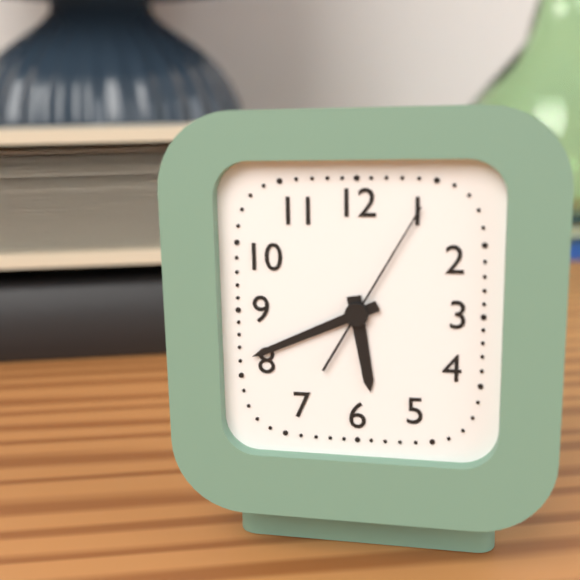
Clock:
h=5 m=41 s=5
